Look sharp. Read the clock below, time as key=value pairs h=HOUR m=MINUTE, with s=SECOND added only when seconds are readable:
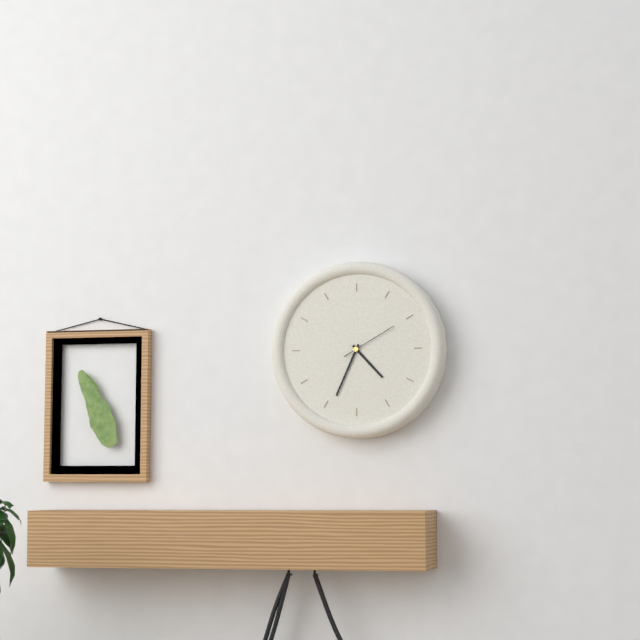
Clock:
h=4 m=34 s=10
